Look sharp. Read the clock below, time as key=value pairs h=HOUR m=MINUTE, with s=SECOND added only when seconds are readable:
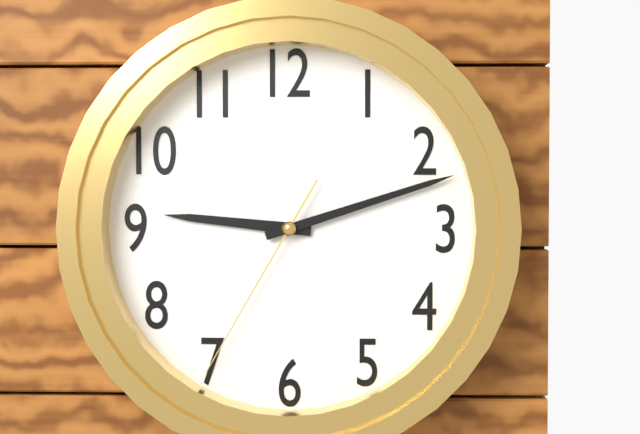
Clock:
h=9 m=12 s=35
